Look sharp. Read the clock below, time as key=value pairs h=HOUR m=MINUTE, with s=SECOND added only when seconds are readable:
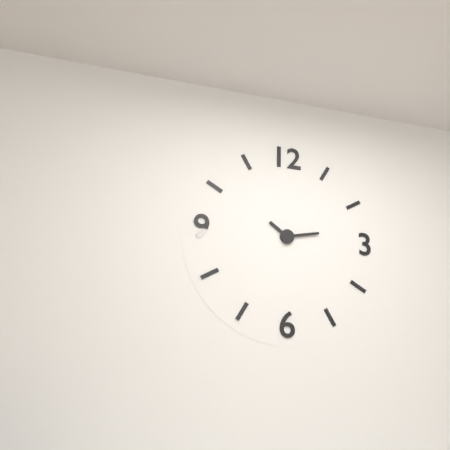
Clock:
h=10 m=13
